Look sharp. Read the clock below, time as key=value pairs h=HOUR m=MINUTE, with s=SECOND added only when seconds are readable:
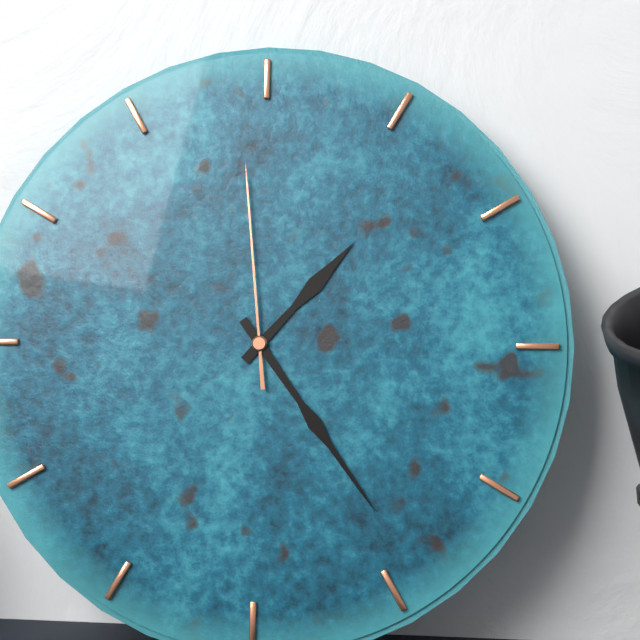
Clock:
h=1 m=24 s=59
